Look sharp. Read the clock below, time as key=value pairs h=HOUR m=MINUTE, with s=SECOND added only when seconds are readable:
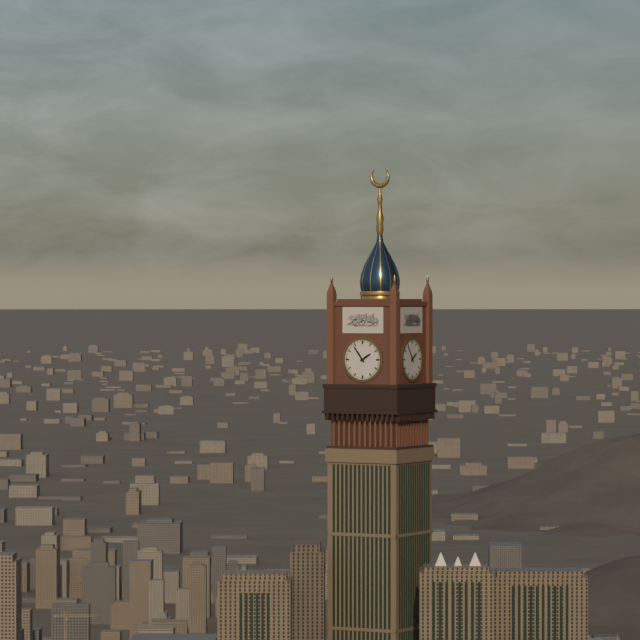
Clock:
h=1 m=54
